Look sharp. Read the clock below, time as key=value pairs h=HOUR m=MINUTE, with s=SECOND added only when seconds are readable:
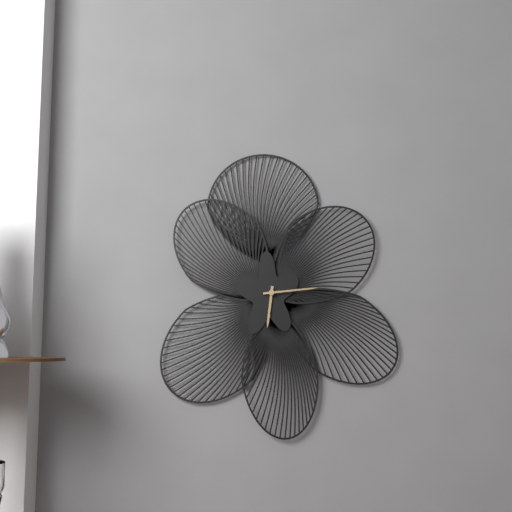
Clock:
h=6 m=14
